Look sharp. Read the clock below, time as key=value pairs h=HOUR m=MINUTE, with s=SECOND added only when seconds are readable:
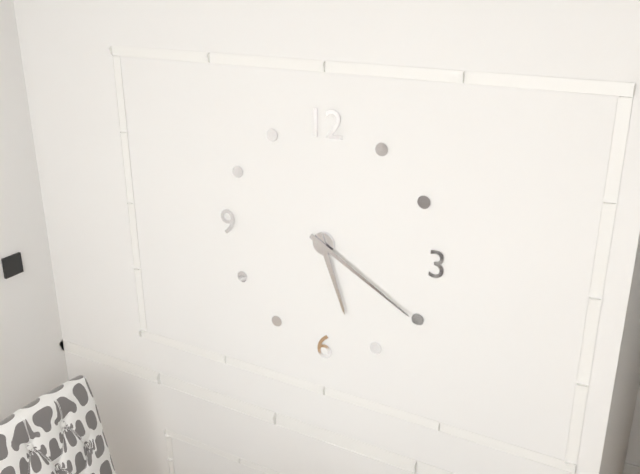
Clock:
h=5 m=20
